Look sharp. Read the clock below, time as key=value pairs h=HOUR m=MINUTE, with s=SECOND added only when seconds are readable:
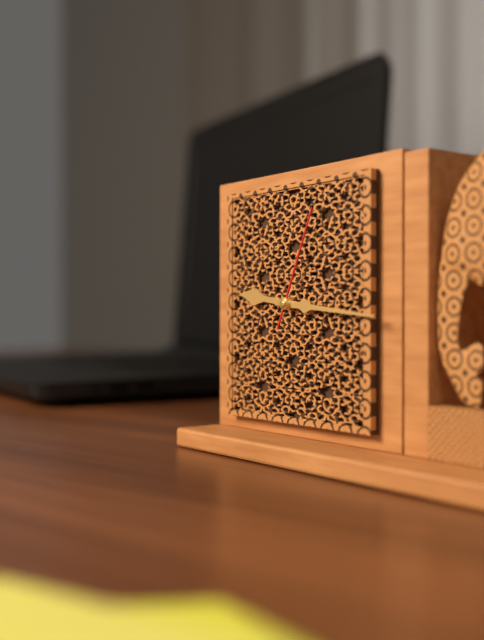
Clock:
h=9 m=16 s=4
